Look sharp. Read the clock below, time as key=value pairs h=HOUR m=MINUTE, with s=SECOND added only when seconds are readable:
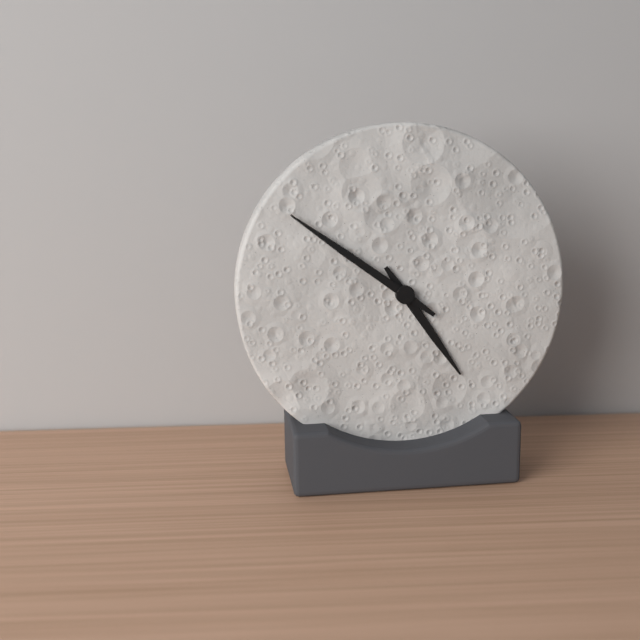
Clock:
h=4 m=51
